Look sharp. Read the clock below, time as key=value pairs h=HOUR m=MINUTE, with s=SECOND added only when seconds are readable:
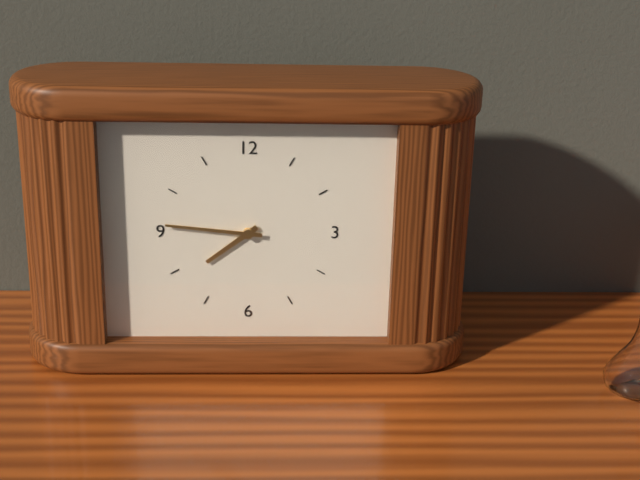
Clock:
h=7 m=46
